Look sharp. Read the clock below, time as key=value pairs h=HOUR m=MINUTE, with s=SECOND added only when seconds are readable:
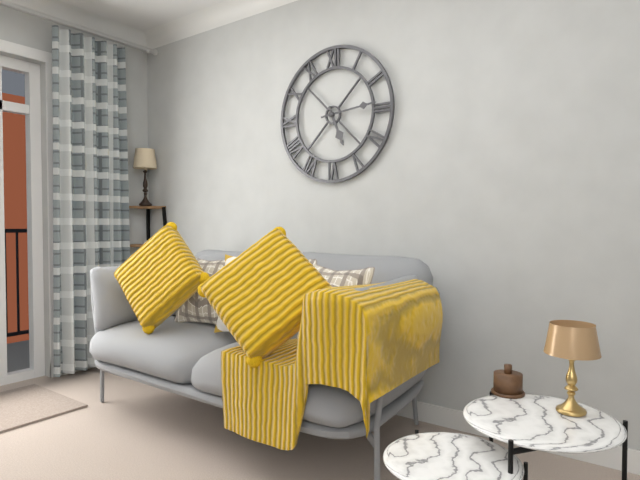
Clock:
h=5 m=14
